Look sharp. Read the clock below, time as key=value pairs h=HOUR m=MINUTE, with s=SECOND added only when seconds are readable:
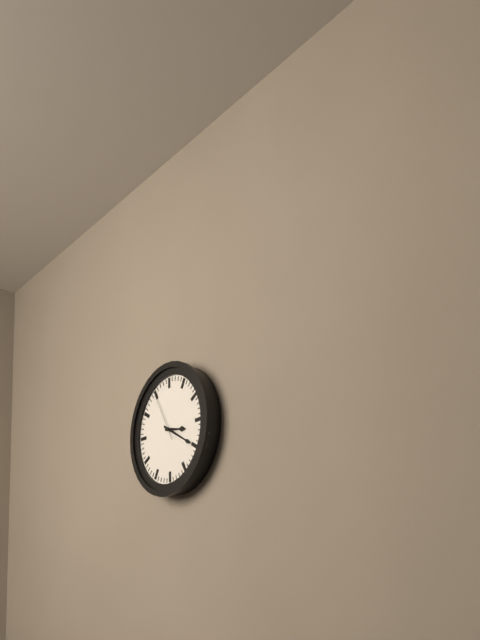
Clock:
h=3 m=20
